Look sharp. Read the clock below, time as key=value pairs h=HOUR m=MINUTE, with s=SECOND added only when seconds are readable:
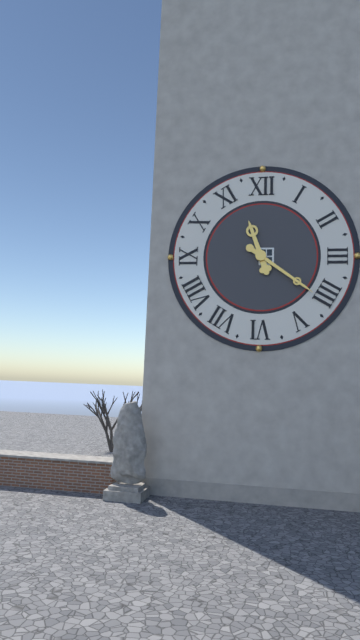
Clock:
h=11 m=21
